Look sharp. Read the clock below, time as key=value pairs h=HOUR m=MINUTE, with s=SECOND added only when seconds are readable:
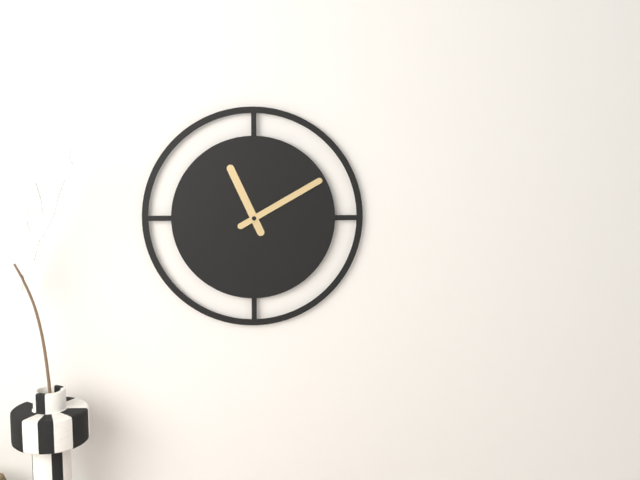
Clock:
h=11 m=10
